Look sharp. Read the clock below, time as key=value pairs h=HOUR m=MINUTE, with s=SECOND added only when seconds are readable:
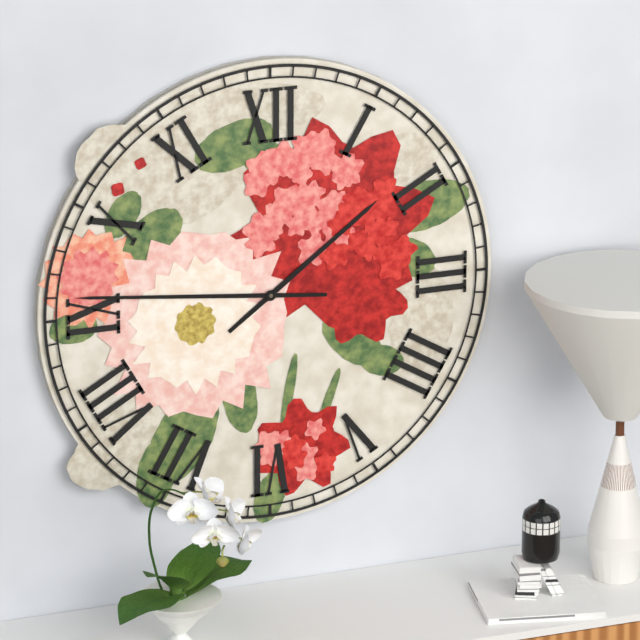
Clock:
h=1 m=46
